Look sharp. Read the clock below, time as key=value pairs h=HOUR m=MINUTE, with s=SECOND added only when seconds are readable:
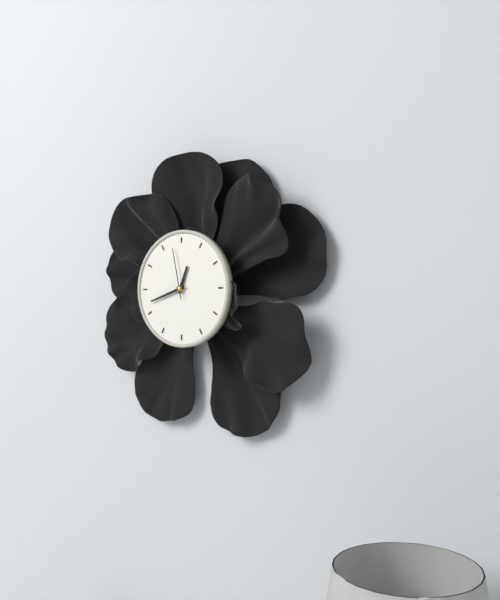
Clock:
h=12 m=42 s=58
